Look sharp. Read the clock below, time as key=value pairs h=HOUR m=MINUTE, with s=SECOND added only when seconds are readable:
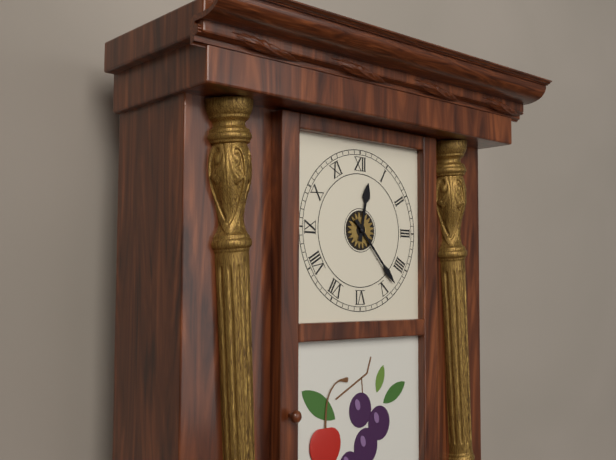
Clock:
h=12 m=23
